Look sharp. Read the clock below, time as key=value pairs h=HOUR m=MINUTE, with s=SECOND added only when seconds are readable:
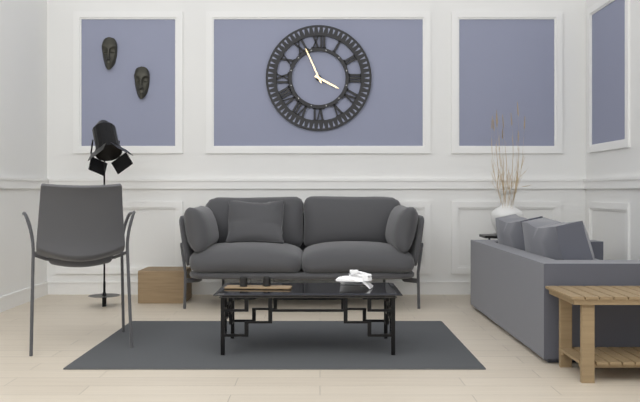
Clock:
h=3 m=56
